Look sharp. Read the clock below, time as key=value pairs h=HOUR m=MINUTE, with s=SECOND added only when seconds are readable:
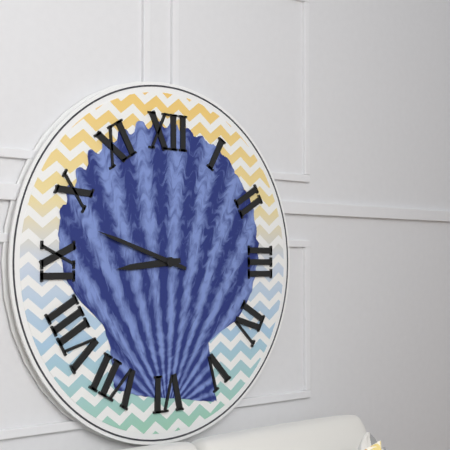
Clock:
h=8 m=48
